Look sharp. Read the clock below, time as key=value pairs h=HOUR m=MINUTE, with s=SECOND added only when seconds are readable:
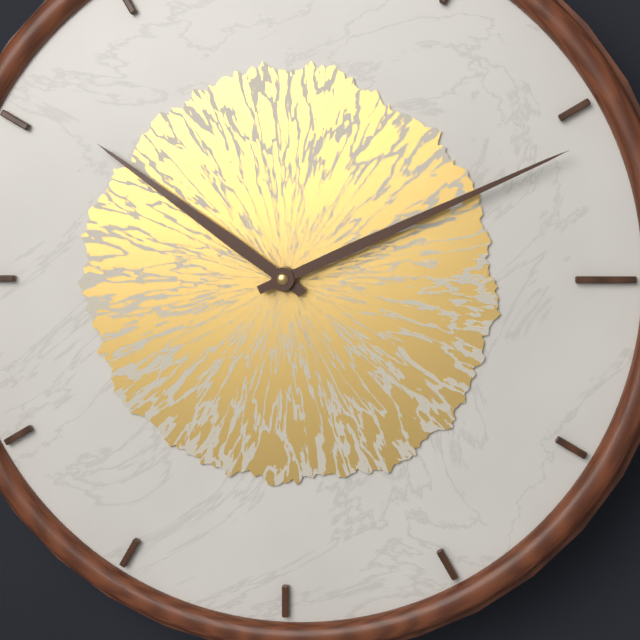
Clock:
h=10 m=11
